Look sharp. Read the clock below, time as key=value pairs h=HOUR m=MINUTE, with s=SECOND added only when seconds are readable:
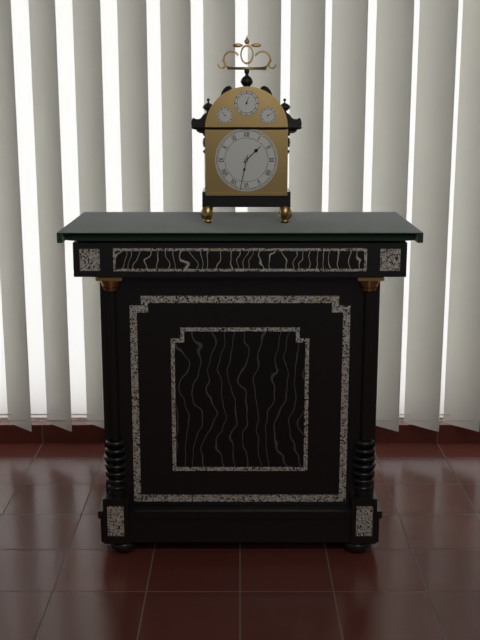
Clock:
h=1 m=32
